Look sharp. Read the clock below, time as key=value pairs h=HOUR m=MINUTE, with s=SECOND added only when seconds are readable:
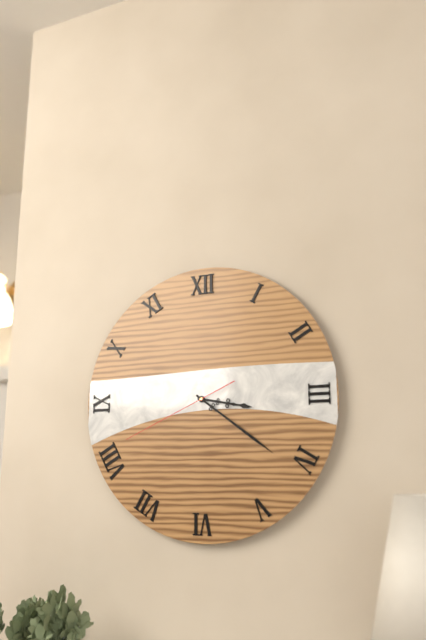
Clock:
h=3 m=21 s=41
